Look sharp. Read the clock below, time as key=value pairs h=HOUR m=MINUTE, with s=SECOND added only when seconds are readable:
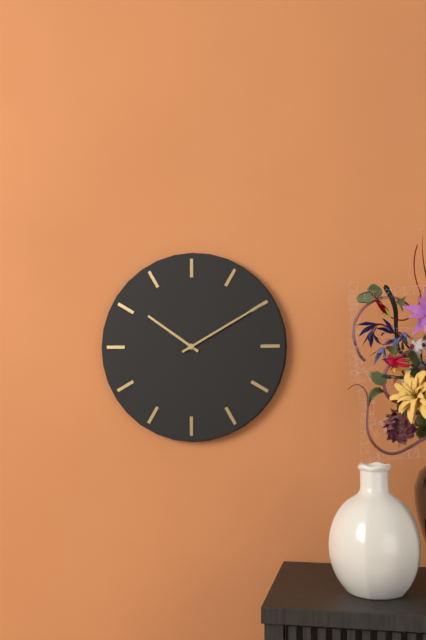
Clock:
h=10 m=10
